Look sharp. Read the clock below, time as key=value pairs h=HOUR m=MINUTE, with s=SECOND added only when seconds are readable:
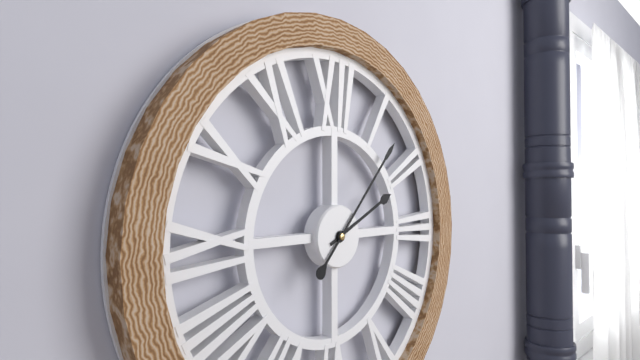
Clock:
h=2 m=7
